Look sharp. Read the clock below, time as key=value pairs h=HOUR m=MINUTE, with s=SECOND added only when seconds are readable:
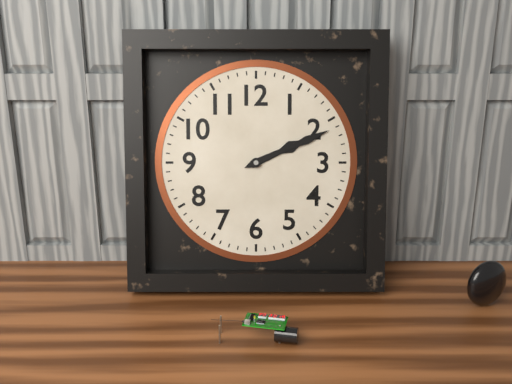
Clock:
h=2 m=11
